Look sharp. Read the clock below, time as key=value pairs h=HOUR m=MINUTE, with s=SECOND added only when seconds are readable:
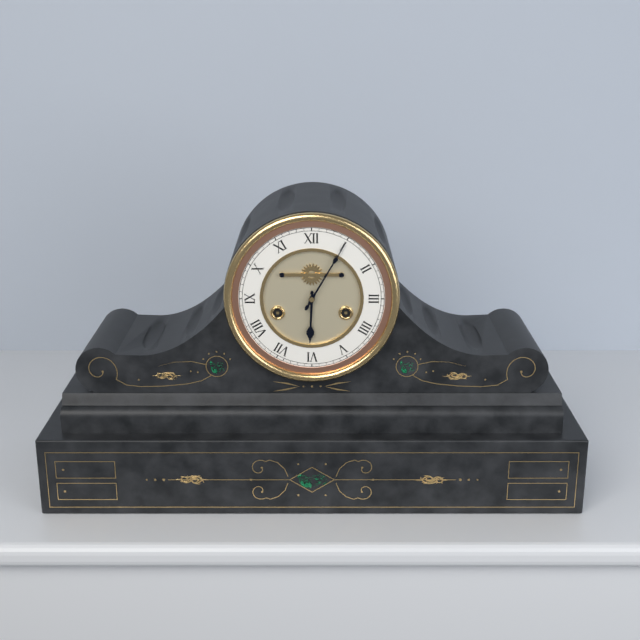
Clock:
h=6 m=5
